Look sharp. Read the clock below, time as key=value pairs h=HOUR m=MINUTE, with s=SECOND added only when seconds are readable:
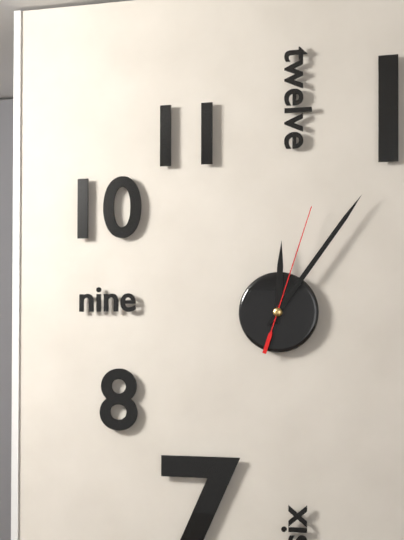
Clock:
h=12 m=6 s=3
